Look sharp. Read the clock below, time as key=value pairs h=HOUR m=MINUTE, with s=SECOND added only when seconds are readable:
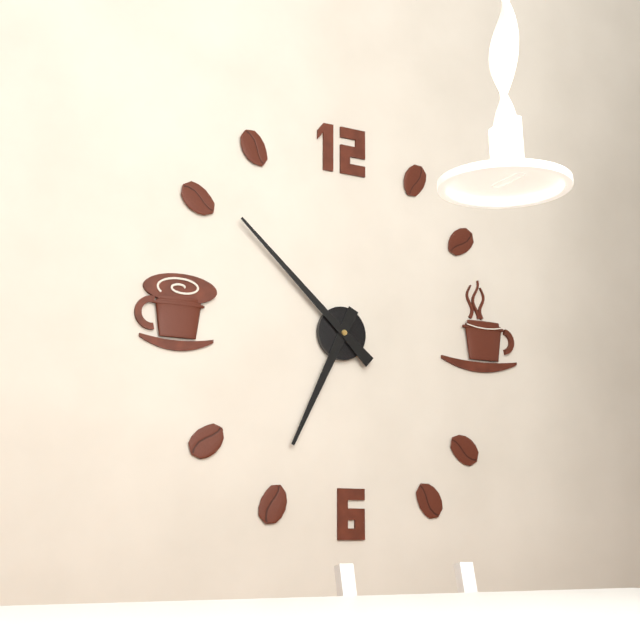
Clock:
h=6 m=52
